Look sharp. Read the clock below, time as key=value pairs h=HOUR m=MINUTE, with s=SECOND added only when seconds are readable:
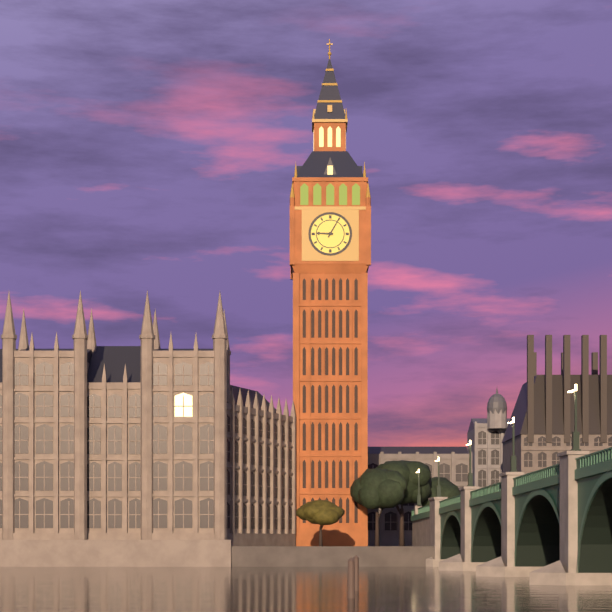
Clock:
h=9 m=5
